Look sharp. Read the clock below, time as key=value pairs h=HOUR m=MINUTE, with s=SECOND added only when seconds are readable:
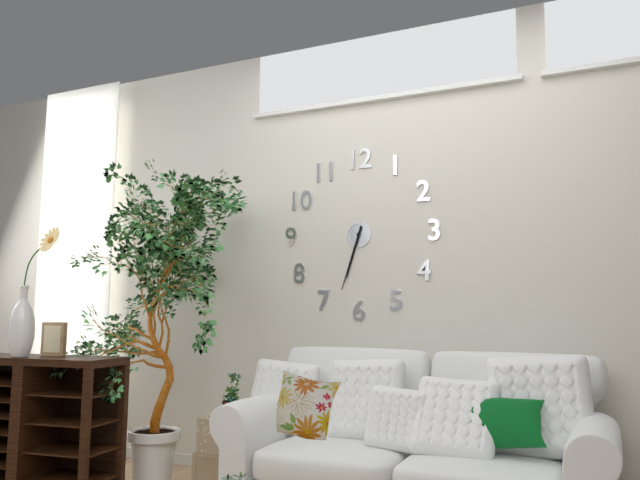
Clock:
h=6 m=33
